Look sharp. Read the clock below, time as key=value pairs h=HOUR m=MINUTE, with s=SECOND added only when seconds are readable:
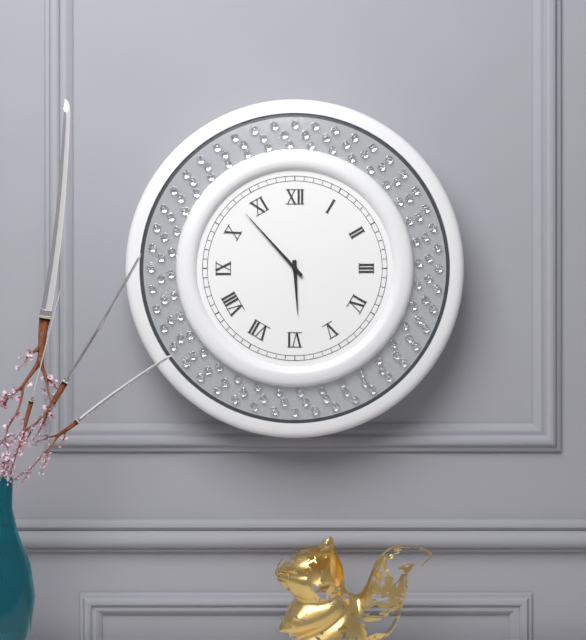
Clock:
h=5 m=53
